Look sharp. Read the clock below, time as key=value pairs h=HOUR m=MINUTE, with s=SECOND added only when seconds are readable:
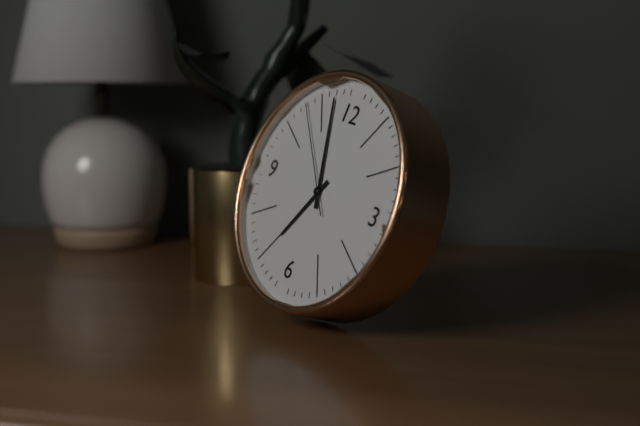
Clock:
h=6 m=57 s=53
